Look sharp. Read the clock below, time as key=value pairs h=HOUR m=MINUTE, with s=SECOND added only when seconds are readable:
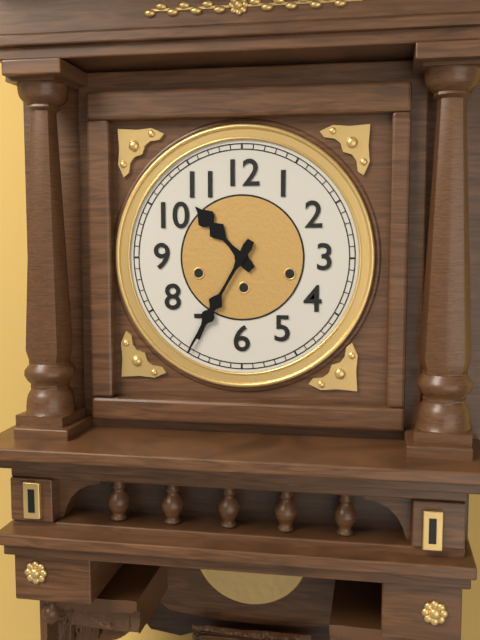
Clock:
h=10 m=35
